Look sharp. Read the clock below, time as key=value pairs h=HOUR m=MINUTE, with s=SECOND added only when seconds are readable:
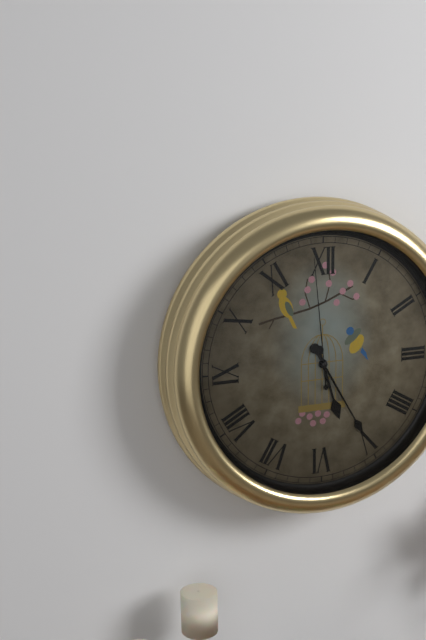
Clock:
h=5 m=25 s=59
